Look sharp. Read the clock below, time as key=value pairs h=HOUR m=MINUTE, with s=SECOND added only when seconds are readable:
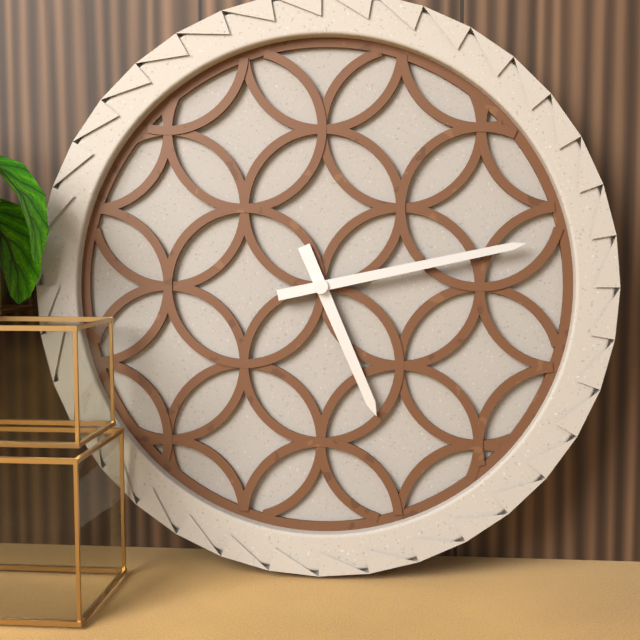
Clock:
h=5 m=13
